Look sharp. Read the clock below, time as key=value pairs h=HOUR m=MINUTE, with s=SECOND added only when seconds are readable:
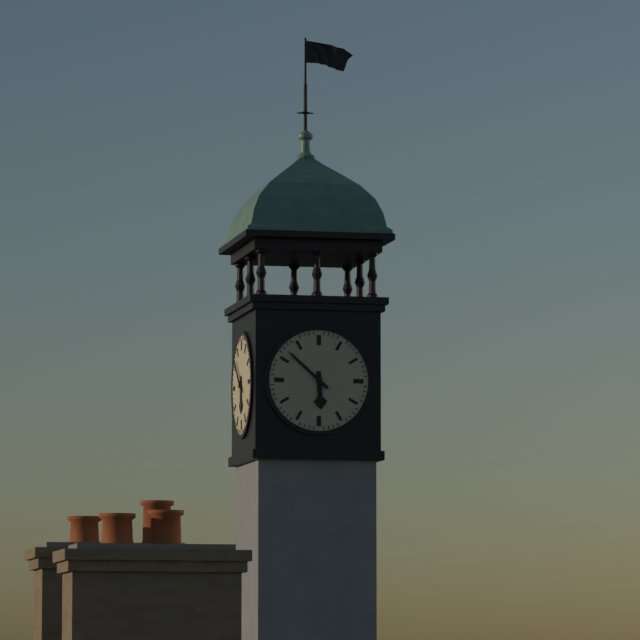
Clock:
h=5 m=52
